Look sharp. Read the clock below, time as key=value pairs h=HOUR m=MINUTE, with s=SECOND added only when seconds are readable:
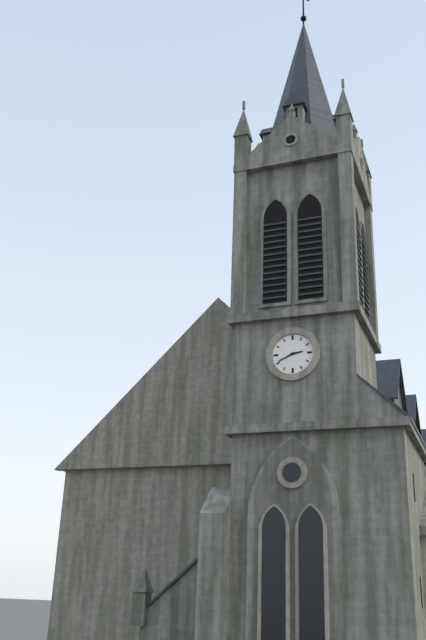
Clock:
h=2 m=41
